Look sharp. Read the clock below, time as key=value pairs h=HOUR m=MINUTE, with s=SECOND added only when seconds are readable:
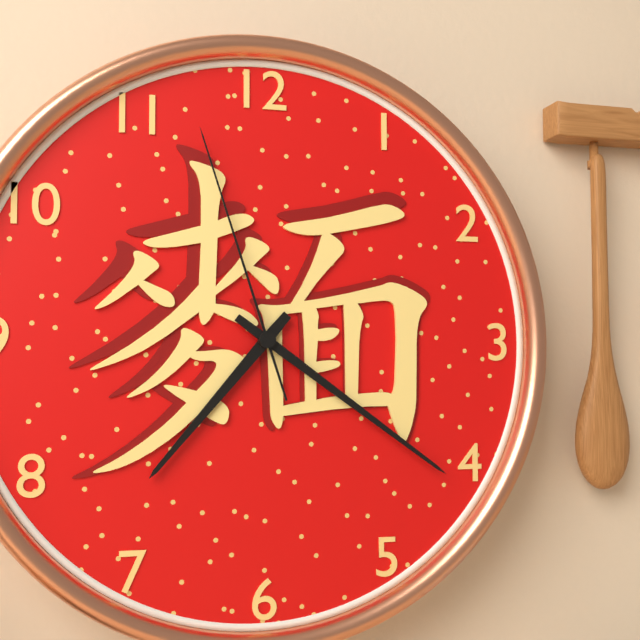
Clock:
h=7 m=21 s=57
